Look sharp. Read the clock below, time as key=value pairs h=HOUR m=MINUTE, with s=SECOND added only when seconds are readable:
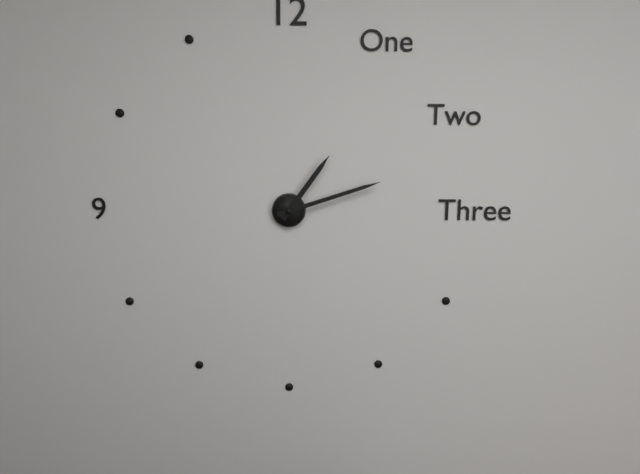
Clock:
h=1 m=12
